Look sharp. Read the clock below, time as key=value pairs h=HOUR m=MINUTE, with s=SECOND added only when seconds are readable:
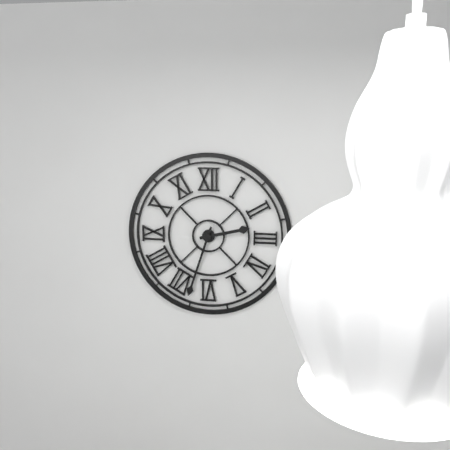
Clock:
h=2 m=33
